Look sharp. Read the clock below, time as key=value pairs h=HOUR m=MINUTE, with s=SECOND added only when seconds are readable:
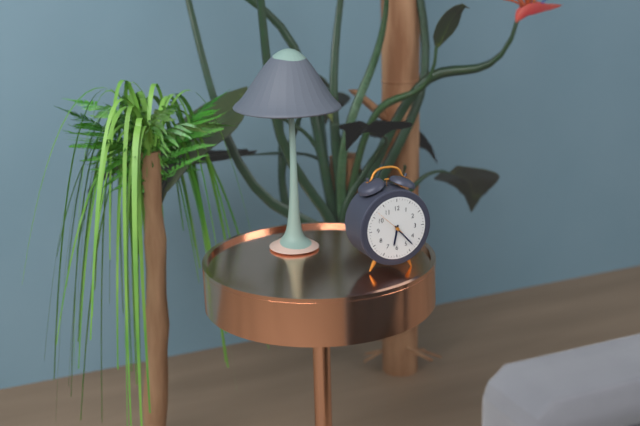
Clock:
h=6 m=23
